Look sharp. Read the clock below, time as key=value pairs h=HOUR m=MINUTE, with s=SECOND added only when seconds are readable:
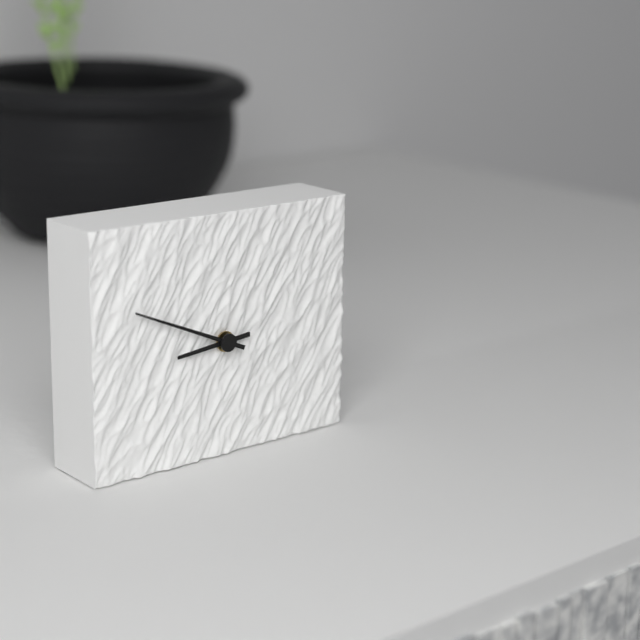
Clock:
h=8 m=49
